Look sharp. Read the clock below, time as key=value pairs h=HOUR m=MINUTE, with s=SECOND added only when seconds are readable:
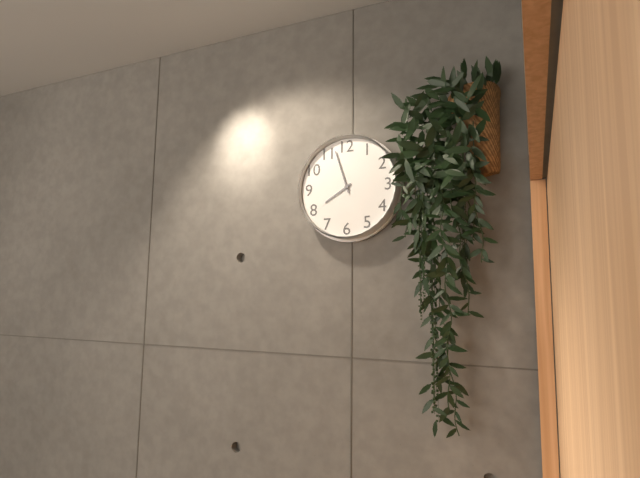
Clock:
h=7 m=57
